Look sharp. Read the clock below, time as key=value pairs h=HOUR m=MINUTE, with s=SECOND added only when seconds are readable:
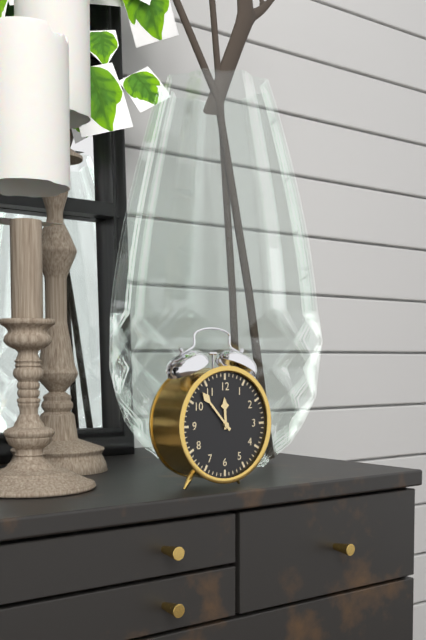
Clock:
h=11 m=53
